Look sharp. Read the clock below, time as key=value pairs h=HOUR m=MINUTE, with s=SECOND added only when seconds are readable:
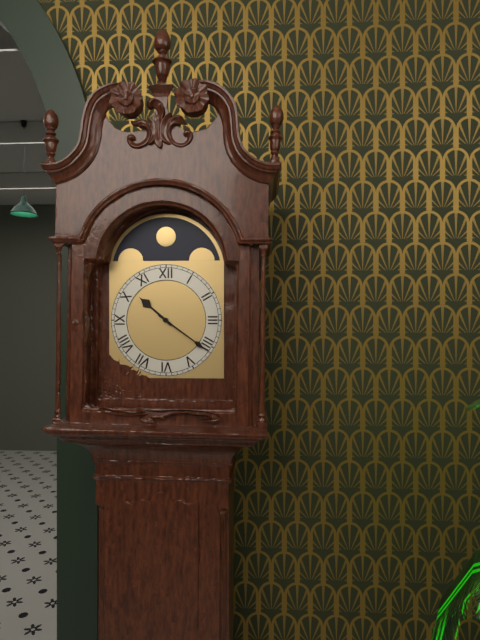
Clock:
h=10 m=21
